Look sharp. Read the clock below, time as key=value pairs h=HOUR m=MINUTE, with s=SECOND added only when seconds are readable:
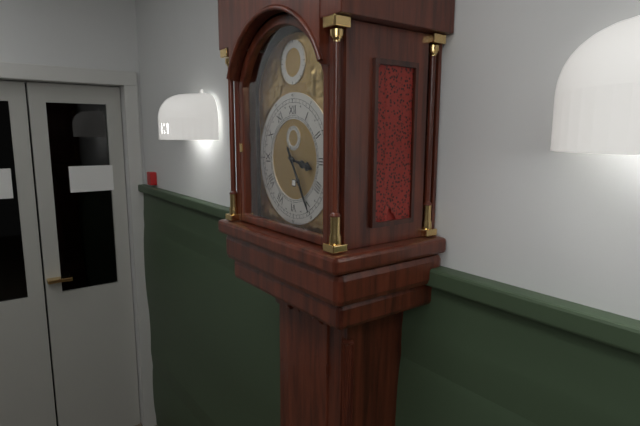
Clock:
h=3 m=25
